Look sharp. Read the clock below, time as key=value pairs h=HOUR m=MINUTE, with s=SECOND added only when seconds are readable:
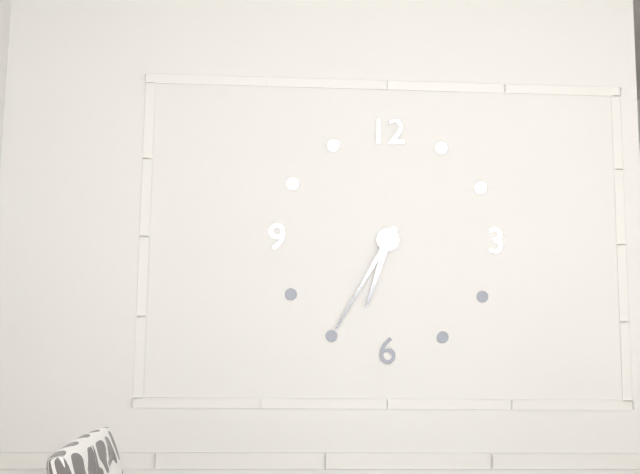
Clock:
h=6 m=35
